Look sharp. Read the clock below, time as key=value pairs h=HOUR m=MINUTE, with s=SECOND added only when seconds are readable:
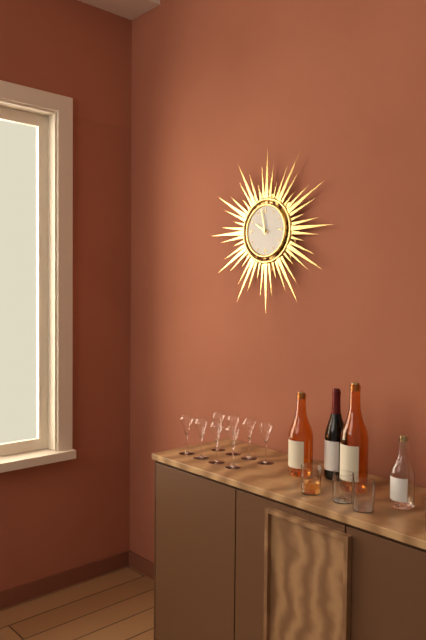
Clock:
h=9 m=58
